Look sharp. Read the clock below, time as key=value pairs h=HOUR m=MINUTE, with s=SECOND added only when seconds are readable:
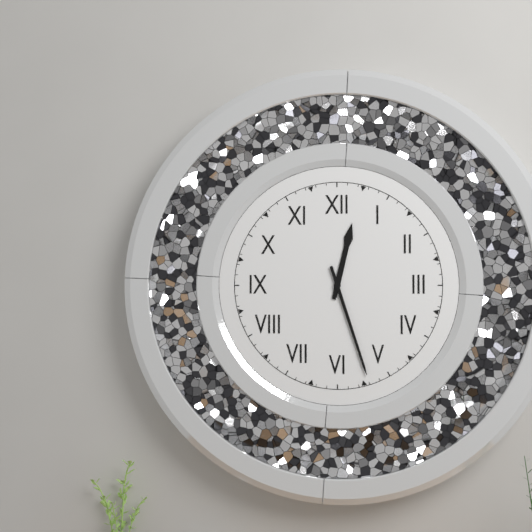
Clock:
h=12 m=27
